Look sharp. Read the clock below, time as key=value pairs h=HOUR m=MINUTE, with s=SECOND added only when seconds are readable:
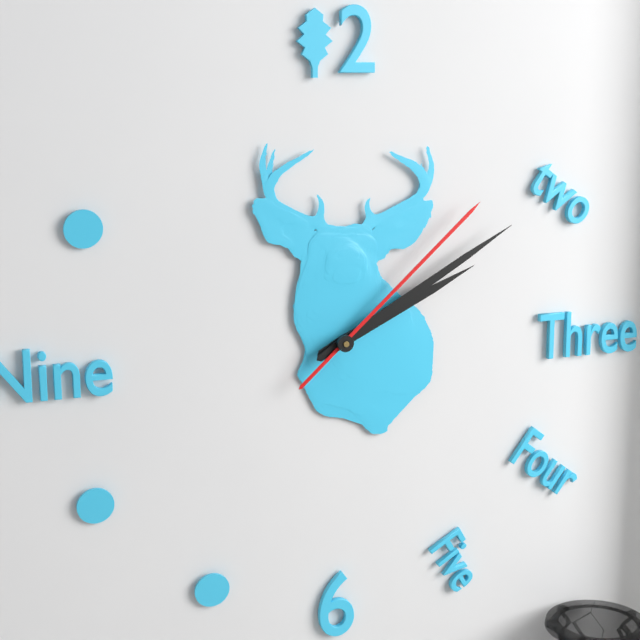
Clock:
h=2 m=10 s=8
